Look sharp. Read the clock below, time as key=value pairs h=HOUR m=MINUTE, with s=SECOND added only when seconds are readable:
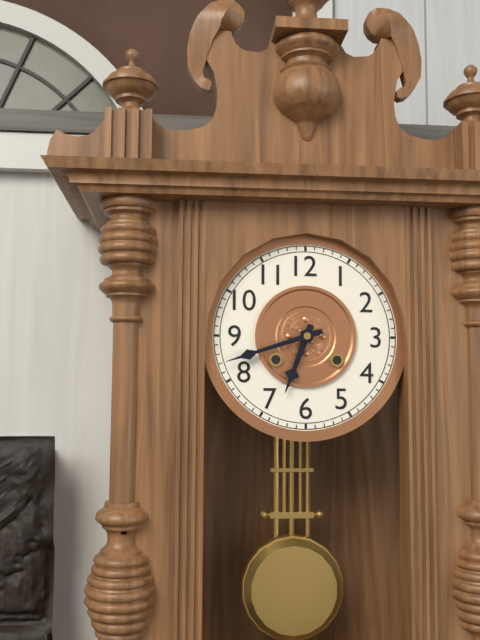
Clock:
h=6 m=42
